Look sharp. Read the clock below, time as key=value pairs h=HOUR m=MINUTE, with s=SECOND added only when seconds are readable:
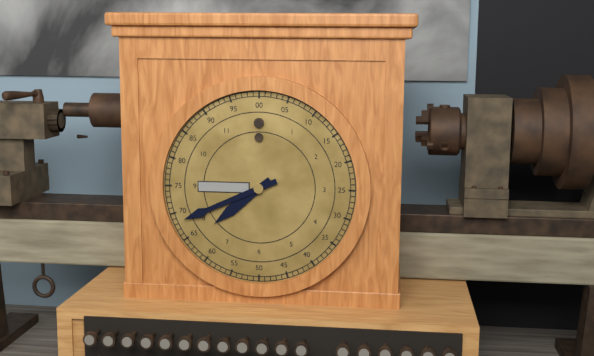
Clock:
h=7 m=41
